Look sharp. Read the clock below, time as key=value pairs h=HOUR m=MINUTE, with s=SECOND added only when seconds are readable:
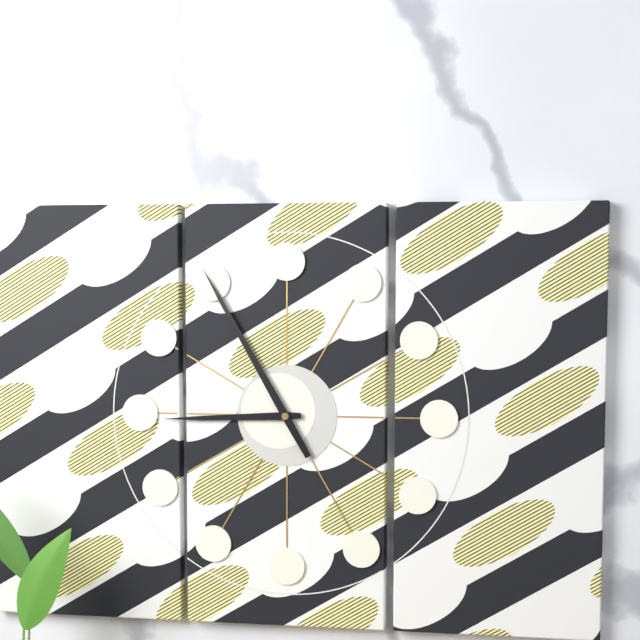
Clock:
h=8 m=55
